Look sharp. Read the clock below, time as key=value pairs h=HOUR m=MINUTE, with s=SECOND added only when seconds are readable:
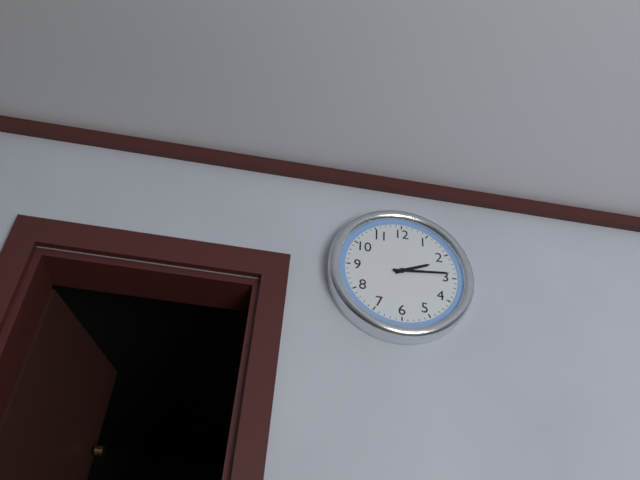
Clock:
h=2 m=14
